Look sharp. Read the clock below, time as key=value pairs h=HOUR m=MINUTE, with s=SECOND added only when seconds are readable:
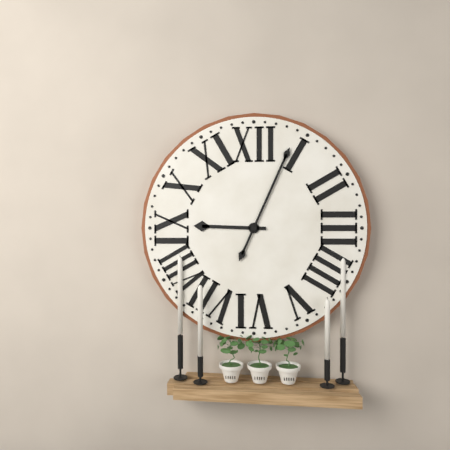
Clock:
h=9 m=4
